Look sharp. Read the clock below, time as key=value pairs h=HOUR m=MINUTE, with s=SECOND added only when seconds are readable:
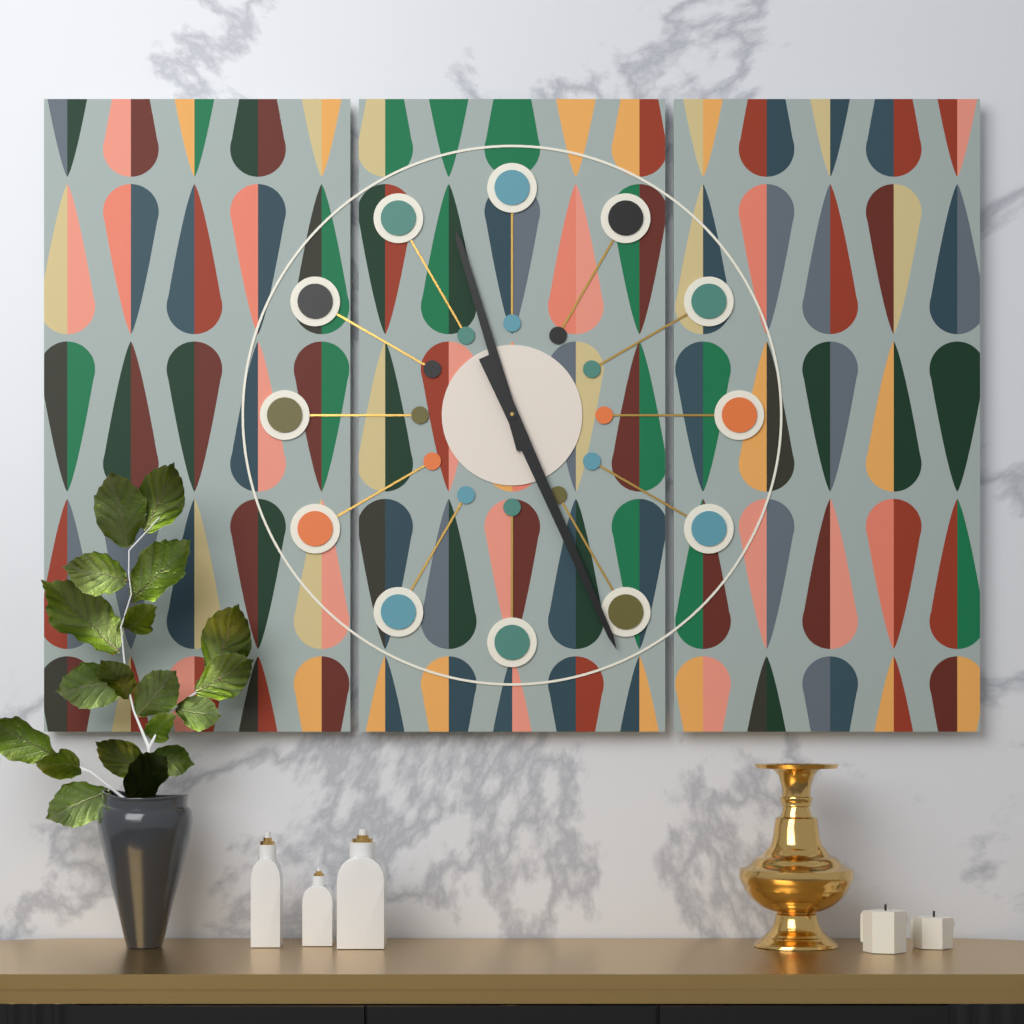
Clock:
h=11 m=26
